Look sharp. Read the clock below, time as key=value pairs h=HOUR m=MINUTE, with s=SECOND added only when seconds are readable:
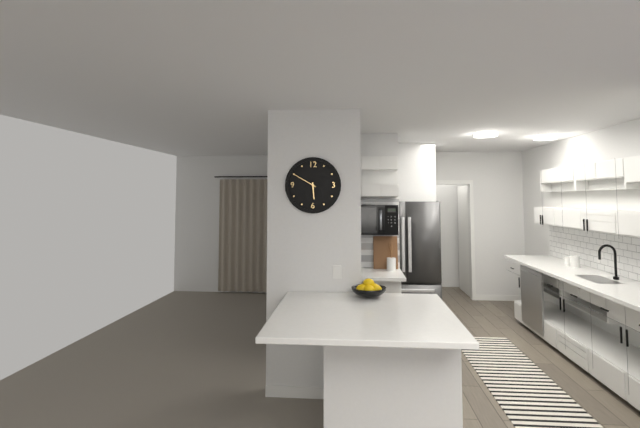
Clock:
h=5 m=50
